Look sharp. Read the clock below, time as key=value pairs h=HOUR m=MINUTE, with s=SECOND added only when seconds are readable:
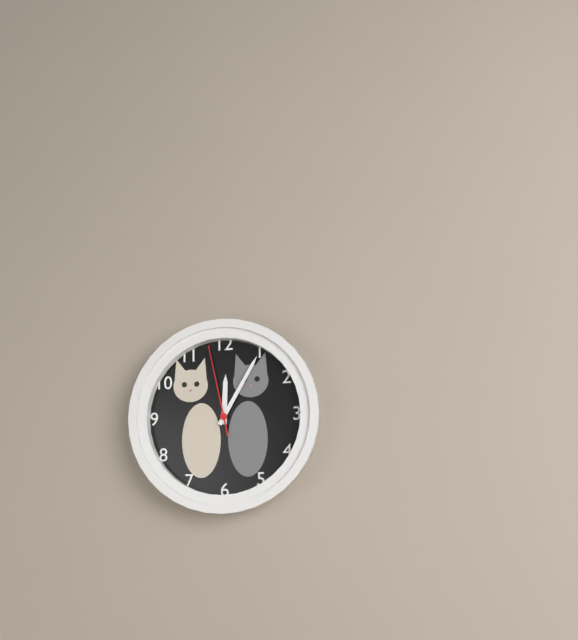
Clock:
h=12 m=5 s=58
